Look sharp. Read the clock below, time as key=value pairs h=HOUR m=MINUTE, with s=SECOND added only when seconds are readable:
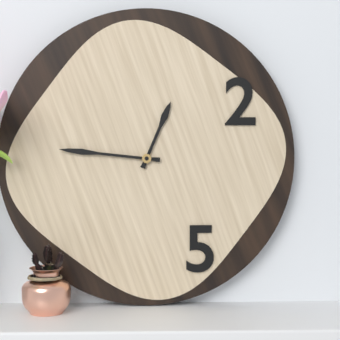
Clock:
h=12 m=46
